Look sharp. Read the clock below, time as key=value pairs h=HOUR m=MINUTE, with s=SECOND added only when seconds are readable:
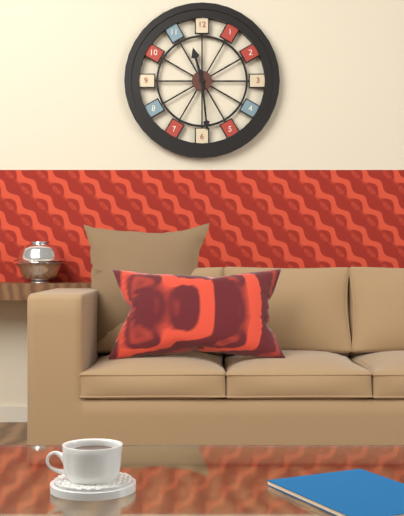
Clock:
h=11 m=29
